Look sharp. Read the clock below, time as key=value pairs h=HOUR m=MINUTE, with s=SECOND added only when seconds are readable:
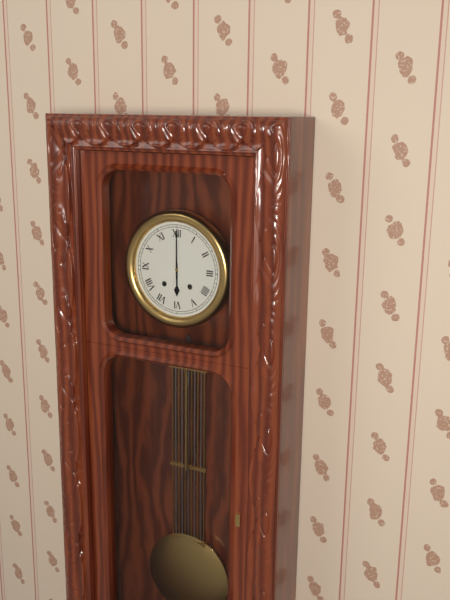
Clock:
h=6 m=0
